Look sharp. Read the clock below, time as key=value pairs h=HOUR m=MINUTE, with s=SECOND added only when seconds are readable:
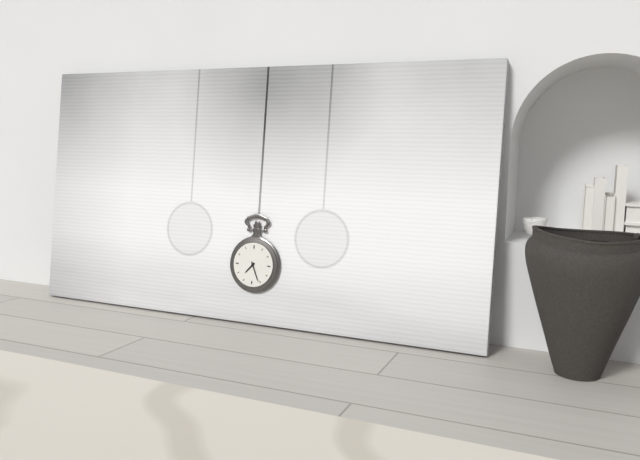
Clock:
h=7 m=26
